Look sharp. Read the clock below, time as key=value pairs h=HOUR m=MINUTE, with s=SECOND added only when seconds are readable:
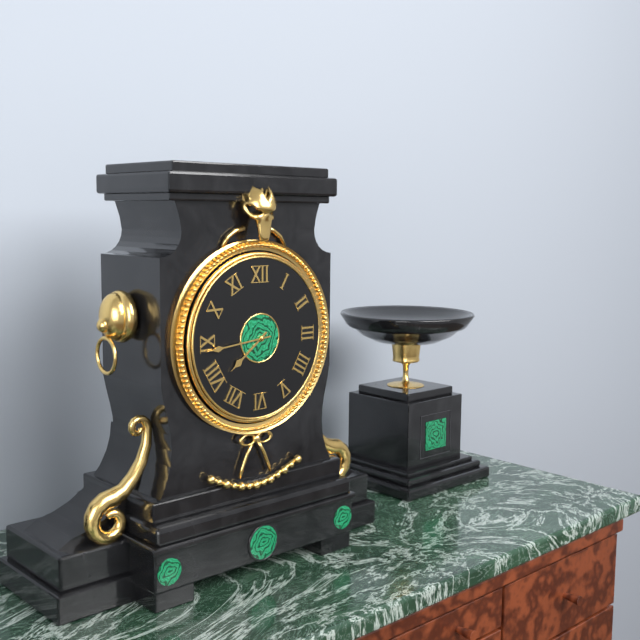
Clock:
h=7 m=44
